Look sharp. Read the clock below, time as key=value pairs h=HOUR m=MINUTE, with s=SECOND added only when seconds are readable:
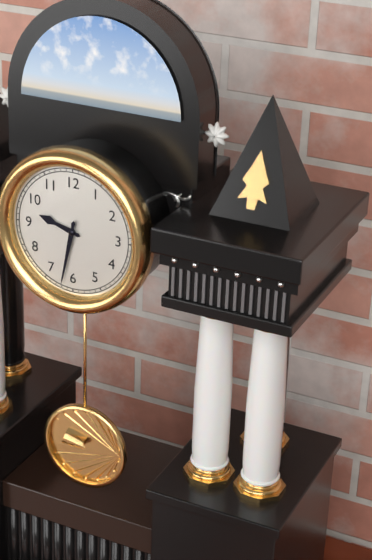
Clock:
h=9 m=32
